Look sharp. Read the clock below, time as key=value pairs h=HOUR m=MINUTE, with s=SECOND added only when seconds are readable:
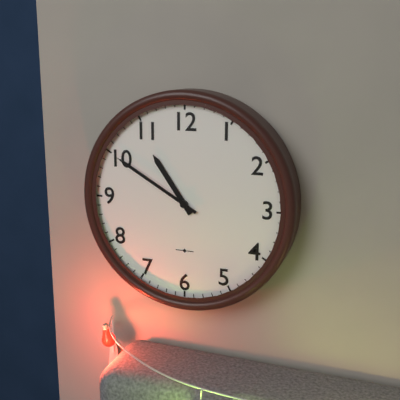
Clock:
h=10 m=50
